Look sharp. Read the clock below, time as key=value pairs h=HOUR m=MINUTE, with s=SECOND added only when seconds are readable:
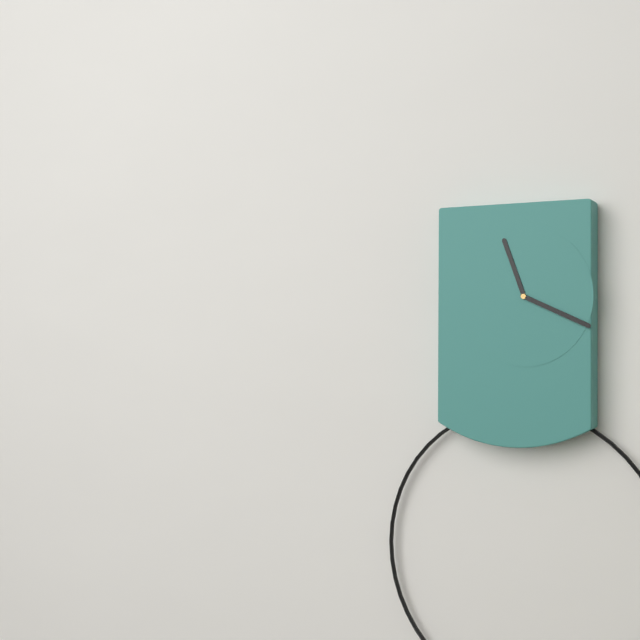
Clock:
h=11 m=19
